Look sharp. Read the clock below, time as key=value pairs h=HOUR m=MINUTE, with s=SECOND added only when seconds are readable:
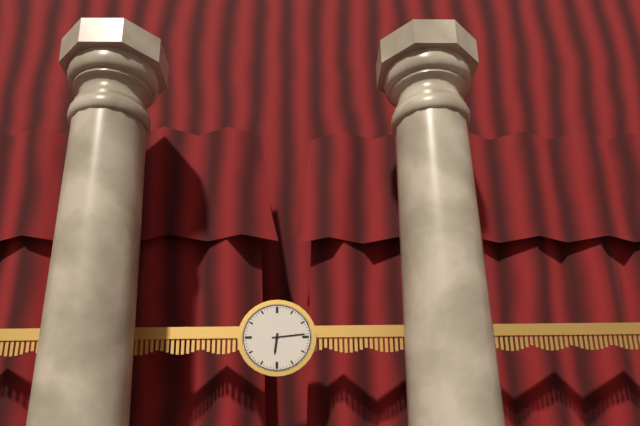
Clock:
h=6 m=14
